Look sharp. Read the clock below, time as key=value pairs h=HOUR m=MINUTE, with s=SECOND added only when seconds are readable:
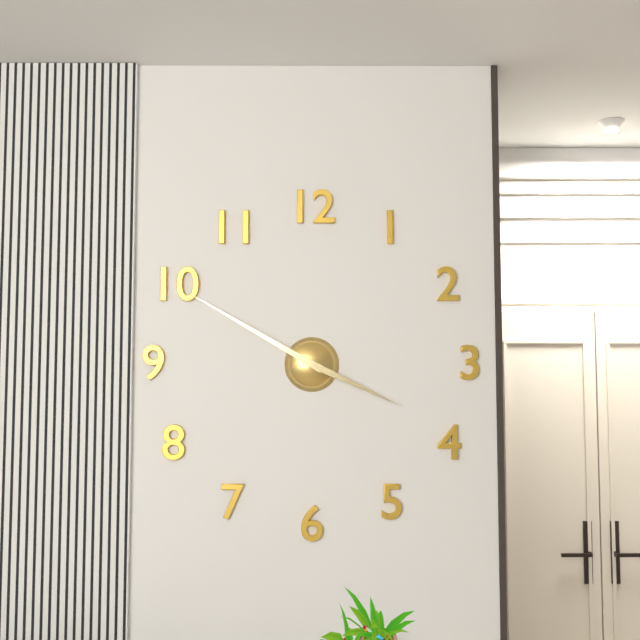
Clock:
h=3 m=50
